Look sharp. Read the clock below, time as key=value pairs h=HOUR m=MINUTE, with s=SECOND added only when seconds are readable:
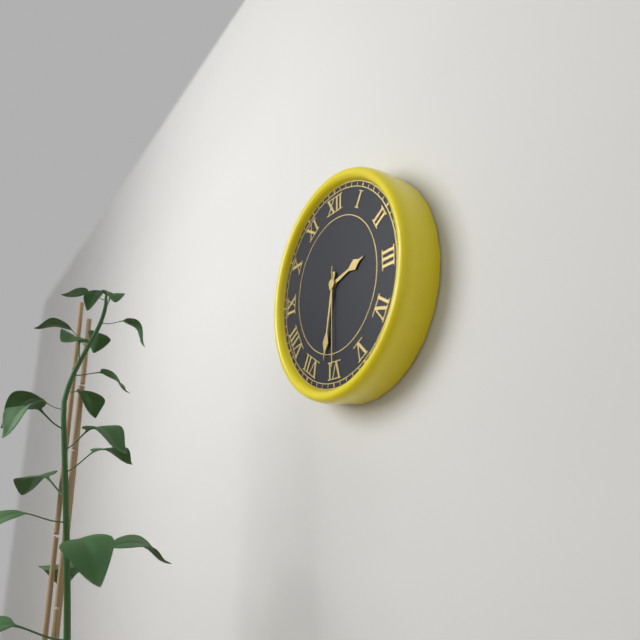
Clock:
h=2 m=32 s=30
